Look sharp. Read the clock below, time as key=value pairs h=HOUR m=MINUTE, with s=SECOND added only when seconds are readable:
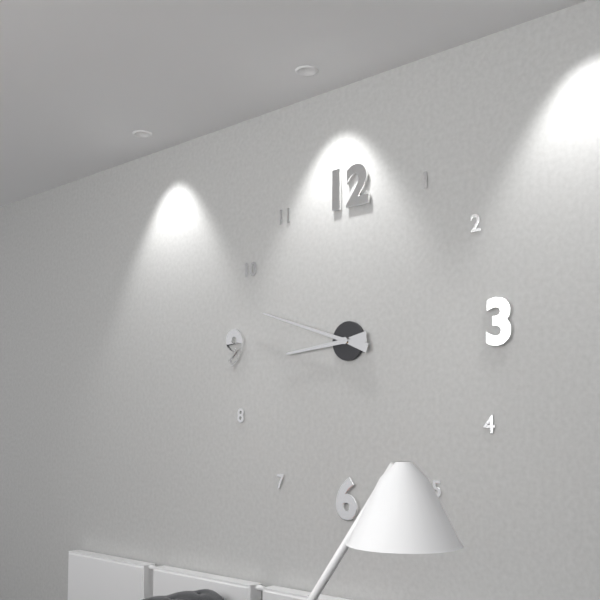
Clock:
h=8 m=48
